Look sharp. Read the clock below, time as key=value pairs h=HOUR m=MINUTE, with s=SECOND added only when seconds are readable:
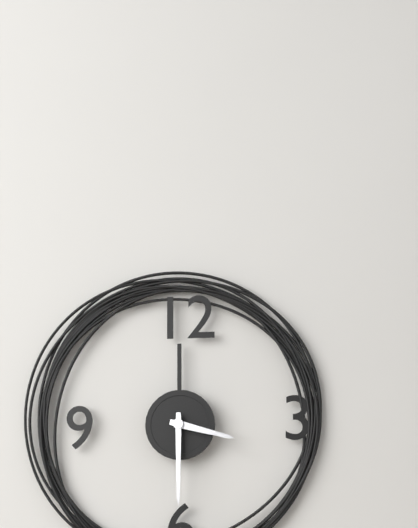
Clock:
h=3 m=30
